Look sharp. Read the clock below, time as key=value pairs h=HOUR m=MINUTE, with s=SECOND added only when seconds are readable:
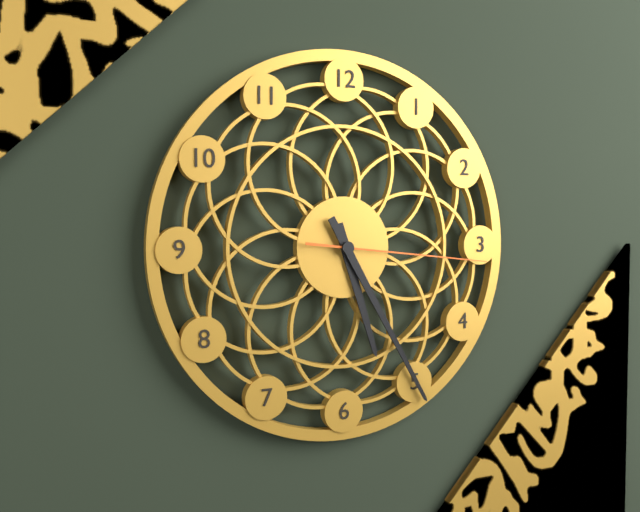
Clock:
h=5 m=25 s=16
